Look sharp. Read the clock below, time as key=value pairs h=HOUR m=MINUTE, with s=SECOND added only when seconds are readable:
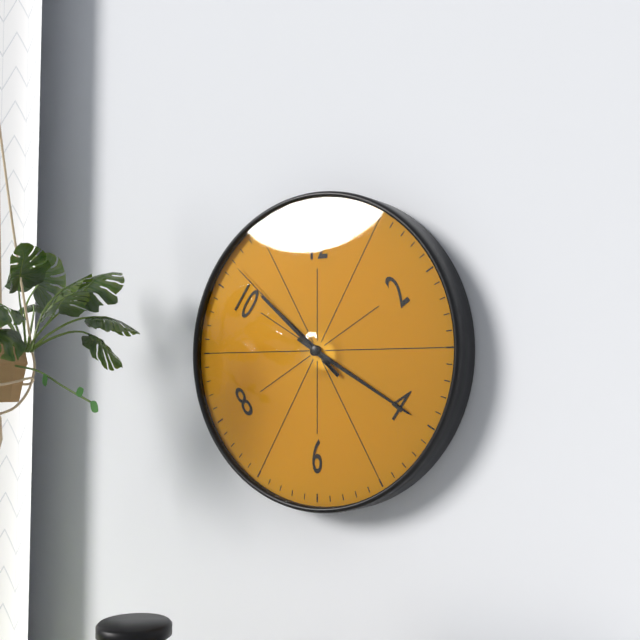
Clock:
h=10 m=20 s=52
